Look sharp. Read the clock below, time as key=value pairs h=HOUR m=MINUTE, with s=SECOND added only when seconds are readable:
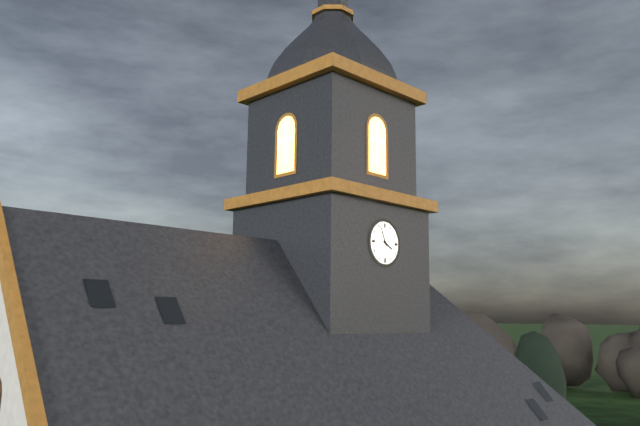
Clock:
h=3 m=56
